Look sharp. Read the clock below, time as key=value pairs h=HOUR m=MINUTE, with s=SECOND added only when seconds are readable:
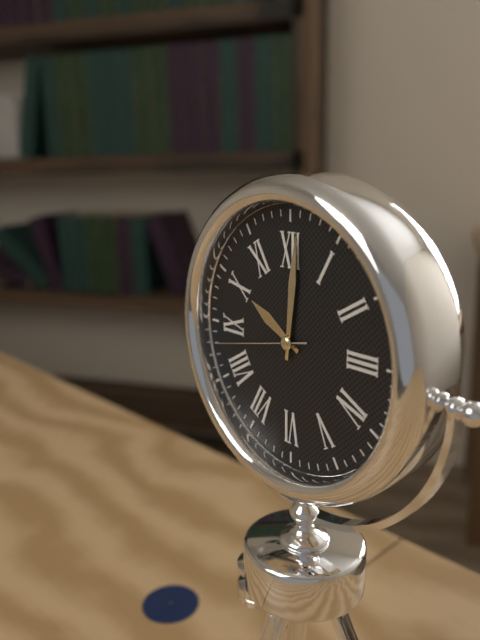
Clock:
h=10 m=1 s=43
